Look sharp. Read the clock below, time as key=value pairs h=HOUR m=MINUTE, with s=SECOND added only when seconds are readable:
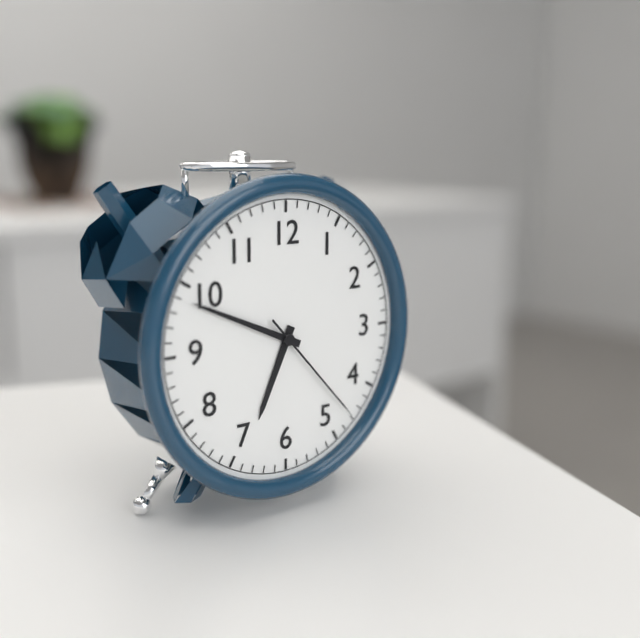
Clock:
h=6 m=49 s=23
